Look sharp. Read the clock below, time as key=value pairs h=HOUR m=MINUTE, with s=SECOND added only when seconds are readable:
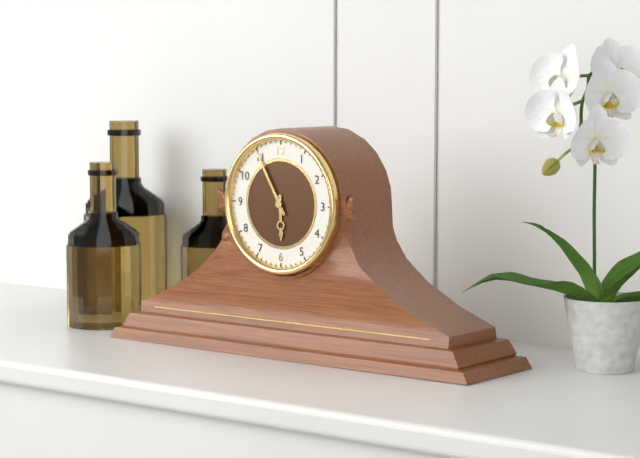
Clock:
h=5 m=55
